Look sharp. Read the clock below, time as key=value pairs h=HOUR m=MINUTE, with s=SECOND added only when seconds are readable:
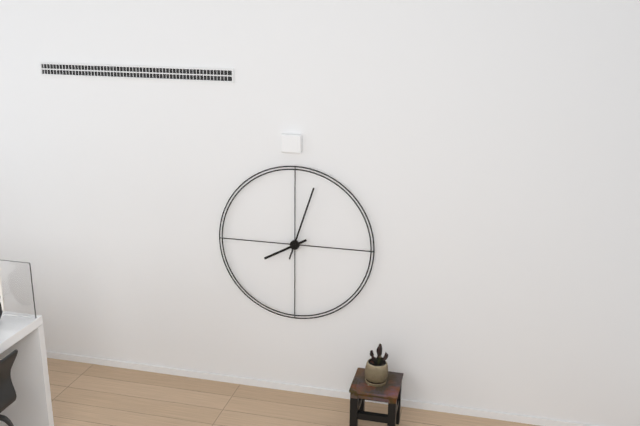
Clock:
h=8 m=3
